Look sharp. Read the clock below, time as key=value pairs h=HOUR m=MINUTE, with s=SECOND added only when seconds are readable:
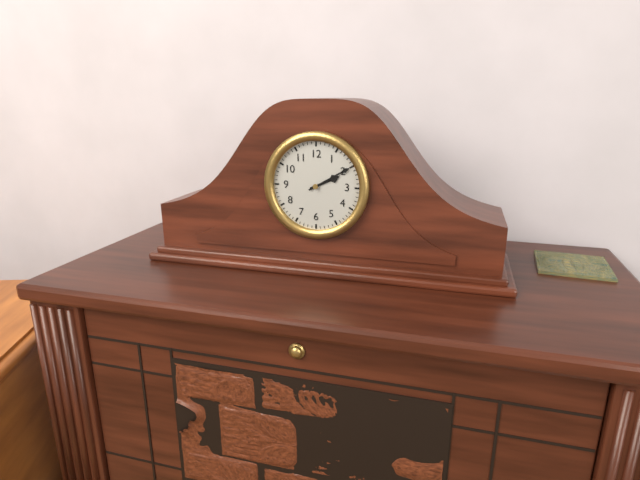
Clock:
h=2 m=10
